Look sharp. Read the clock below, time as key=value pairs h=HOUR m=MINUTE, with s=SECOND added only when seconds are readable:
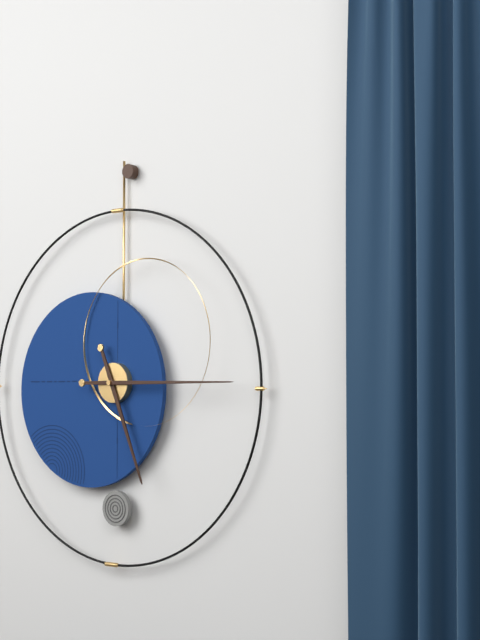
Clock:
h=5 m=15
